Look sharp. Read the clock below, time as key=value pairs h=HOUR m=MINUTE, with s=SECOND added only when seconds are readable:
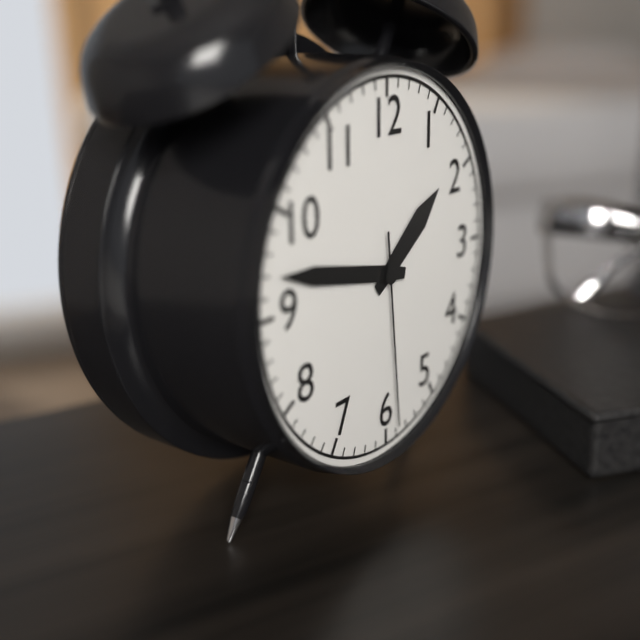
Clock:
h=1 m=47 s=29
